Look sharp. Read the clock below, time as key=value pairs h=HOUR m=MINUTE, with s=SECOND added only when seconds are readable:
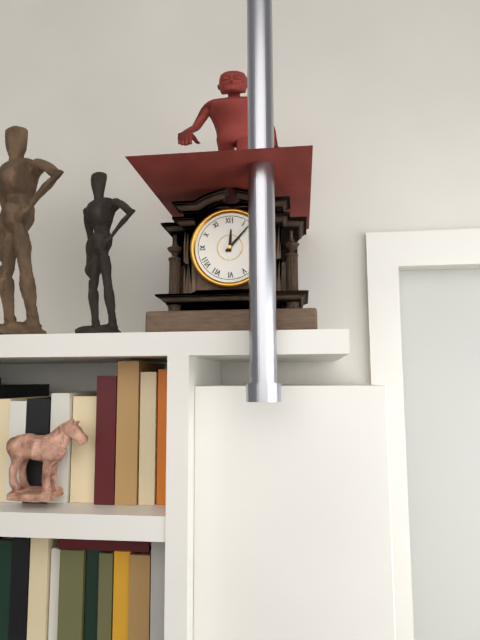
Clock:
h=12 m=7
